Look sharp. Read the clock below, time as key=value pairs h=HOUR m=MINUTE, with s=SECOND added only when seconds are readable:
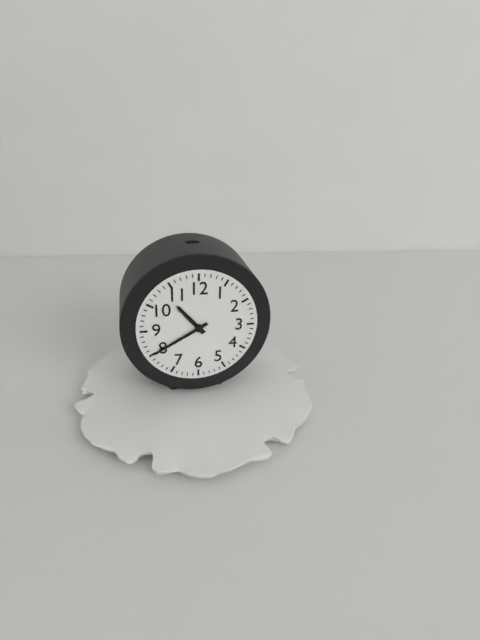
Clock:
h=10 m=40
